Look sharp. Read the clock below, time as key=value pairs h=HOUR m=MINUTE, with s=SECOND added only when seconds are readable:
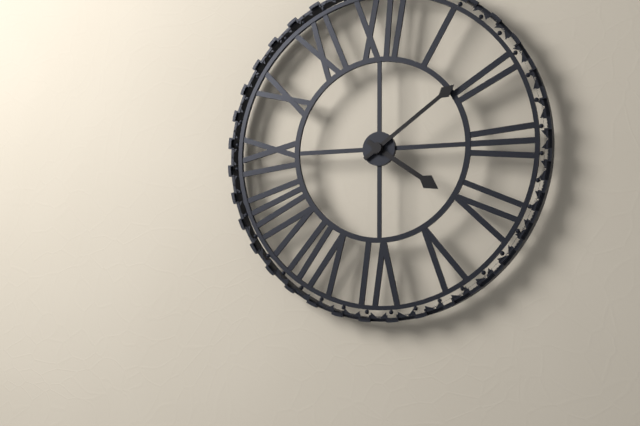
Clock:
h=4 m=9
